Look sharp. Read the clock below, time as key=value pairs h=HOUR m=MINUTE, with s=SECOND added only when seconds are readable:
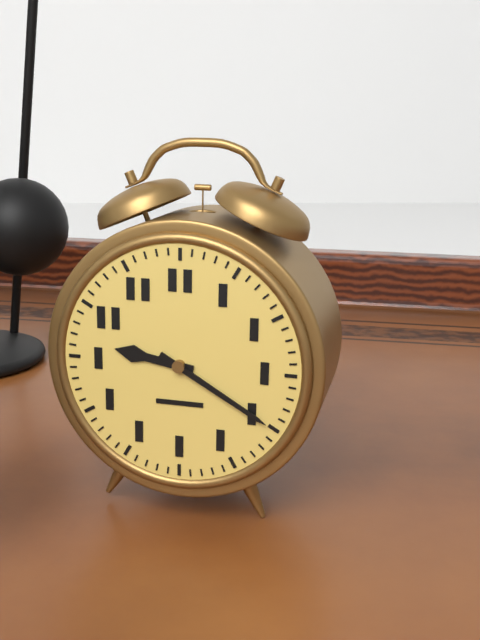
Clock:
h=9 m=20
